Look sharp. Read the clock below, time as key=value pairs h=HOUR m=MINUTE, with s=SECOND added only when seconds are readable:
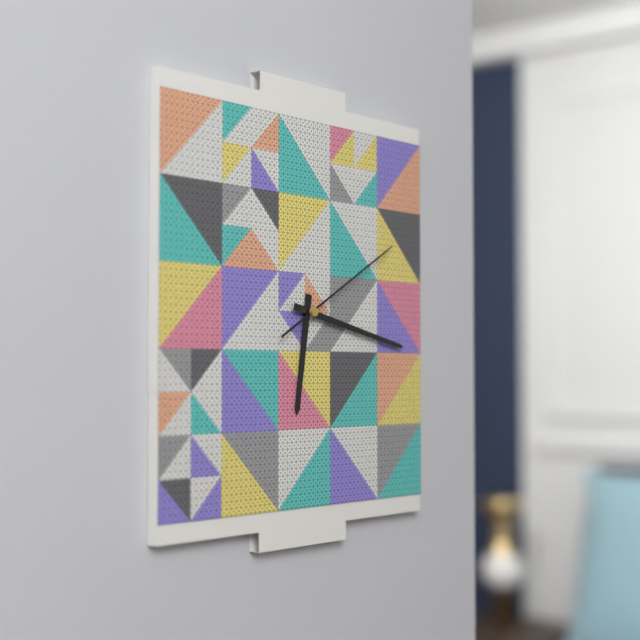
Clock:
h=6 m=17 s=10
